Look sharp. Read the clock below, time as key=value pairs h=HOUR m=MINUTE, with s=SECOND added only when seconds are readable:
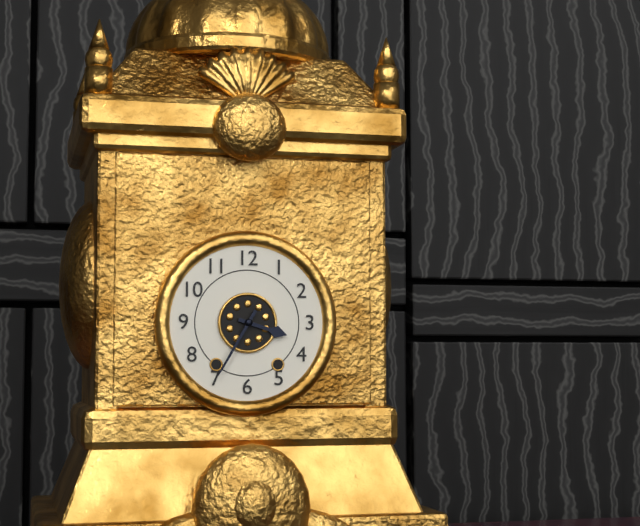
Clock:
h=3 m=35
